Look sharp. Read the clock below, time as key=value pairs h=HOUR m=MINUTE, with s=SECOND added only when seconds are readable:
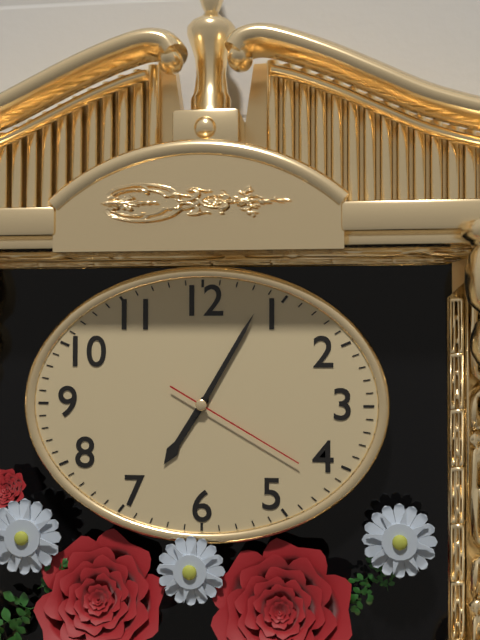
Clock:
h=7 m=5 s=20
